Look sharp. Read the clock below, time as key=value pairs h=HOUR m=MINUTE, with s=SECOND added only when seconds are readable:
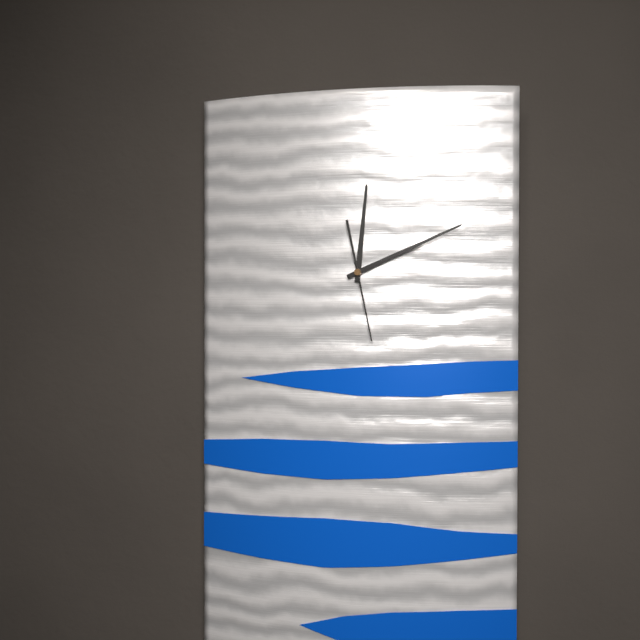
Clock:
h=12 m=11 s=28
